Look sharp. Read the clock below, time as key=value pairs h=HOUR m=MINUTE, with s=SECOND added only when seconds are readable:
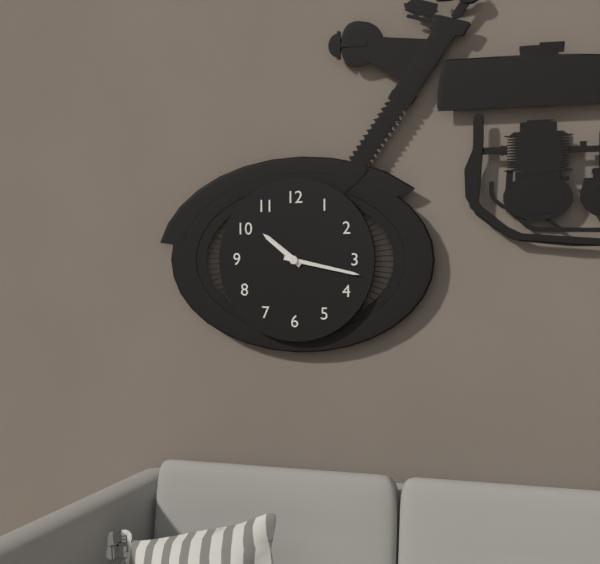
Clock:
h=10 m=17
